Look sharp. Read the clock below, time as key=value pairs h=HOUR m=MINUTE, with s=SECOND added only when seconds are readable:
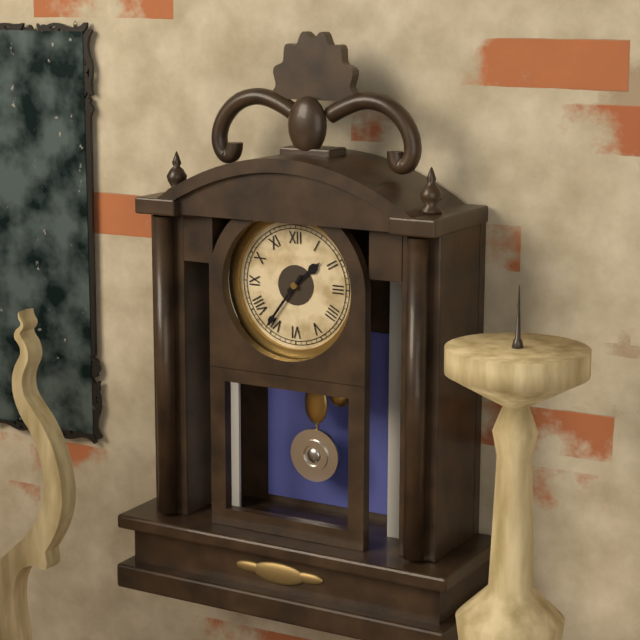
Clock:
h=1 m=36
